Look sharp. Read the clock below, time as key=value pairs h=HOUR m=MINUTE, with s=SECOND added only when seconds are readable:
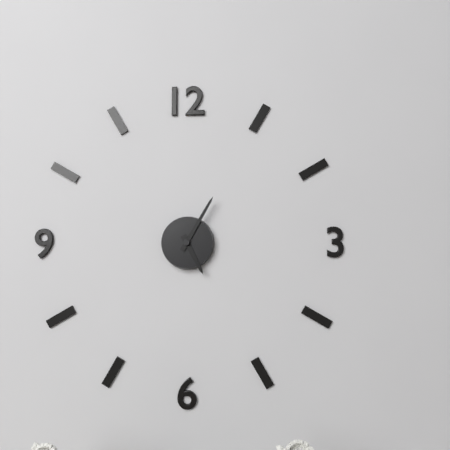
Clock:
h=5 m=5
